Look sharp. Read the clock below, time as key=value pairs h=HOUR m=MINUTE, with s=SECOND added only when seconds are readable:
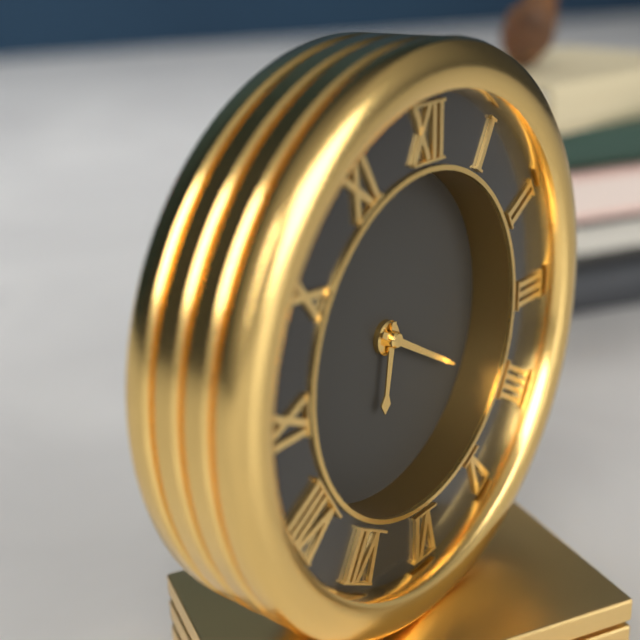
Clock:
h=6 m=20
